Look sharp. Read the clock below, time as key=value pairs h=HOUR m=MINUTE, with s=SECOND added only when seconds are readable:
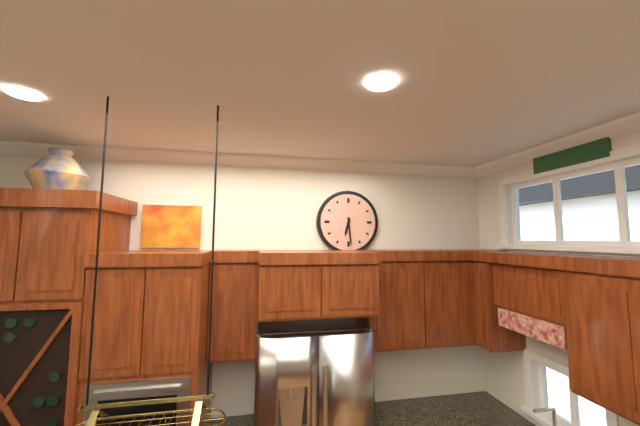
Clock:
h=6 m=29
